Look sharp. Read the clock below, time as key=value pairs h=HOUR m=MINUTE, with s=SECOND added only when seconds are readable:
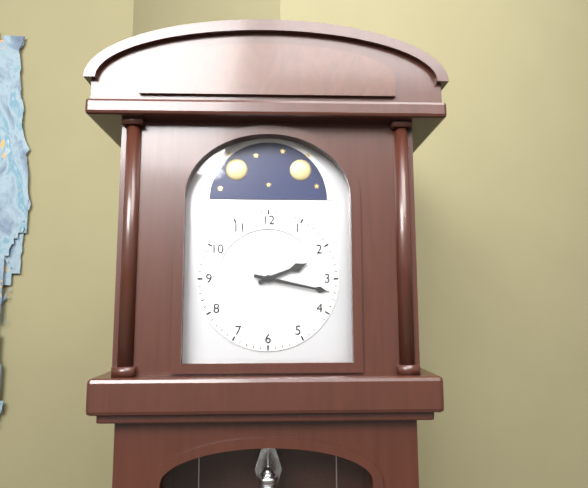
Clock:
h=2 m=17
